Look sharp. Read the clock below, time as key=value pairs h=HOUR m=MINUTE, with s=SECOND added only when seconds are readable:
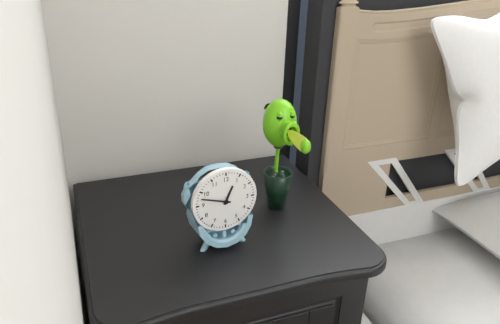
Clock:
h=12 m=48
